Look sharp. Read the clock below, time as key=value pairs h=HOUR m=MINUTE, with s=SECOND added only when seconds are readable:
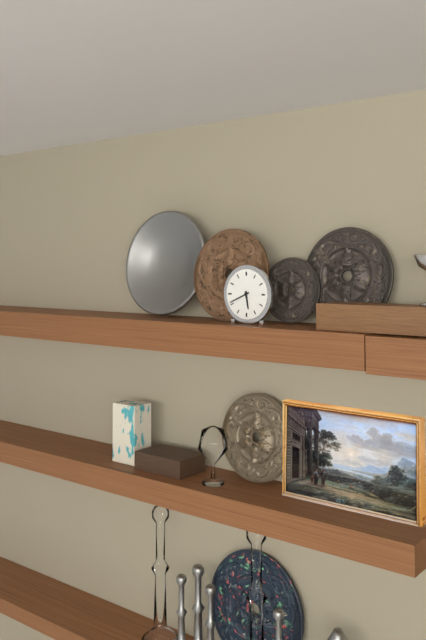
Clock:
h=5 m=41
